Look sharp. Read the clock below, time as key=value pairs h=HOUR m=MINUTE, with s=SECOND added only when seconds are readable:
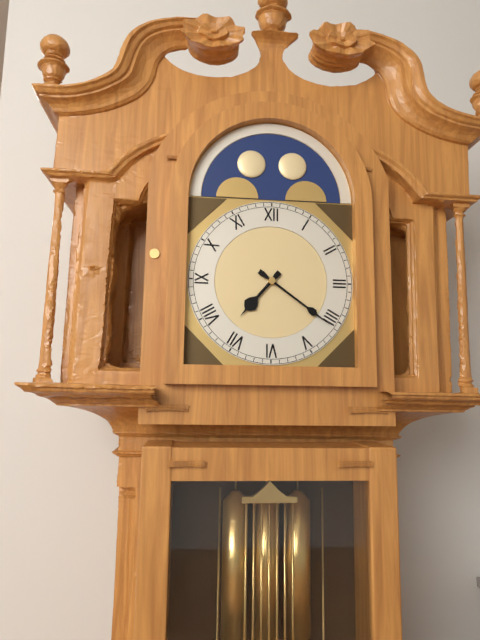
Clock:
h=7 m=21
